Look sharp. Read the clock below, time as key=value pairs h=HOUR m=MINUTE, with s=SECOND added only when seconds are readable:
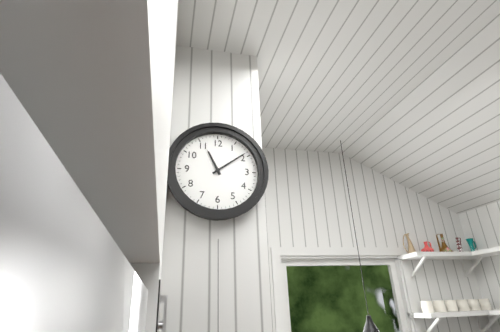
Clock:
h=11 m=9
